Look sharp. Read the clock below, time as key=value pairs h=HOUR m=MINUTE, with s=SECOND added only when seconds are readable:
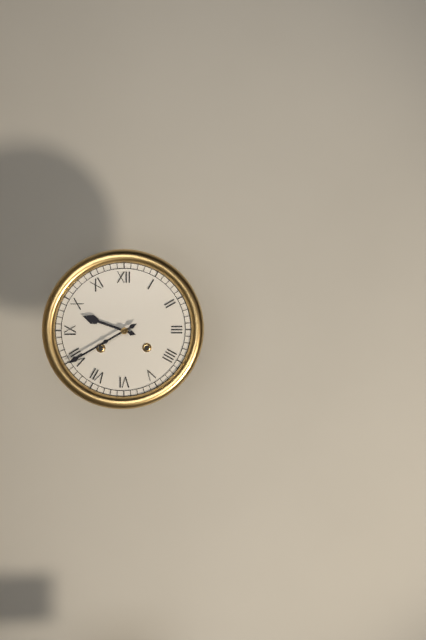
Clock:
h=9 m=40
